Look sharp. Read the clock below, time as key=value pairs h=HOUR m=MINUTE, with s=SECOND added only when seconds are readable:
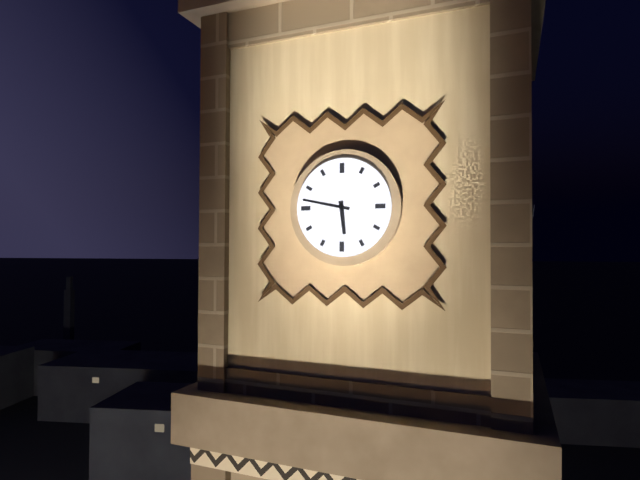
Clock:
h=5 m=47
